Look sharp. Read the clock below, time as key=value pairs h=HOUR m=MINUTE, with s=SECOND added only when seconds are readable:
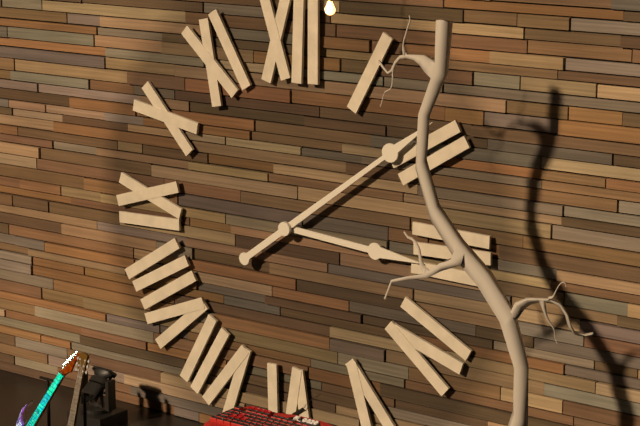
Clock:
h=3 m=9
